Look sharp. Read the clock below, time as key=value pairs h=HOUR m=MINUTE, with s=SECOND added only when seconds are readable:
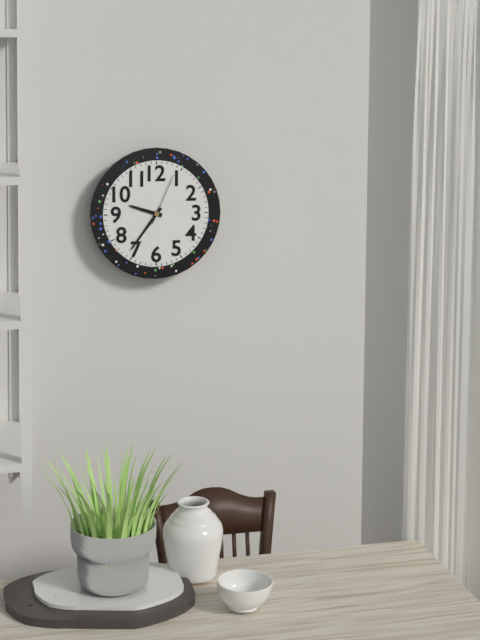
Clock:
h=9 m=36 s=4
